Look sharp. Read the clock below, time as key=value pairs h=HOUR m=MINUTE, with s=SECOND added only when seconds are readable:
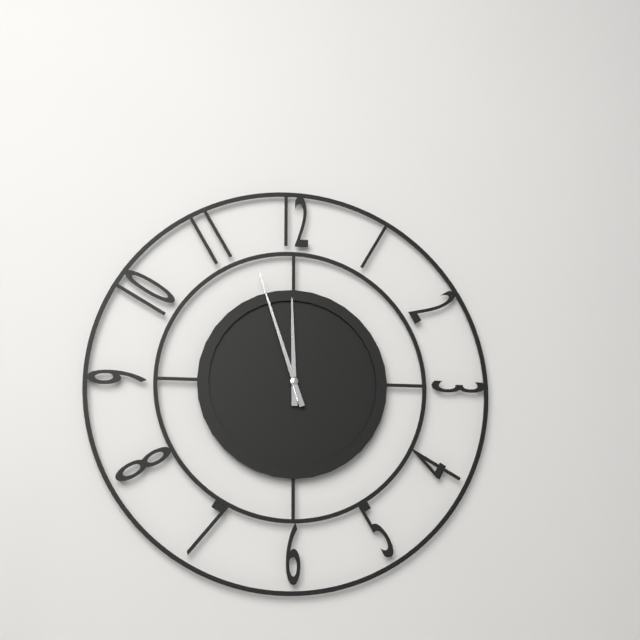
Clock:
h=11 m=57
